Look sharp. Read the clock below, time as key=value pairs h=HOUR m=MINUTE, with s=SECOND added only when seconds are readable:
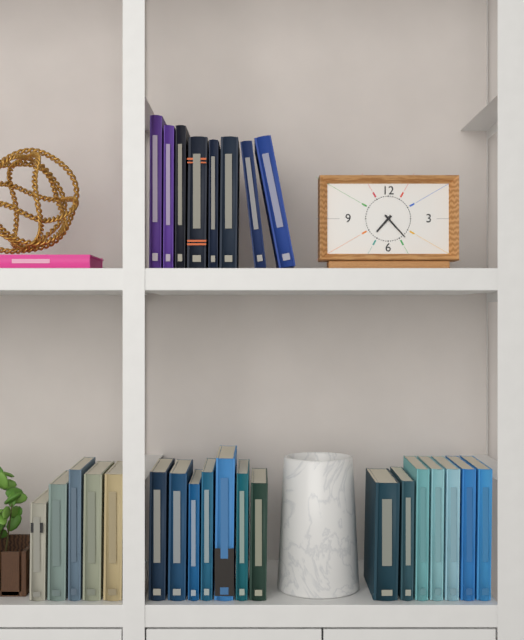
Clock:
h=7 m=23
